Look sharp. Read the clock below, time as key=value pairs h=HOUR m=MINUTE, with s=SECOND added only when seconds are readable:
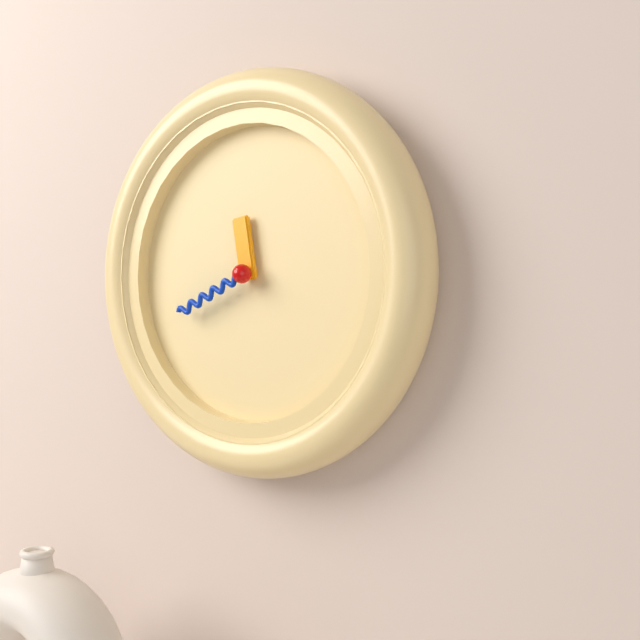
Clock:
h=11 m=41
